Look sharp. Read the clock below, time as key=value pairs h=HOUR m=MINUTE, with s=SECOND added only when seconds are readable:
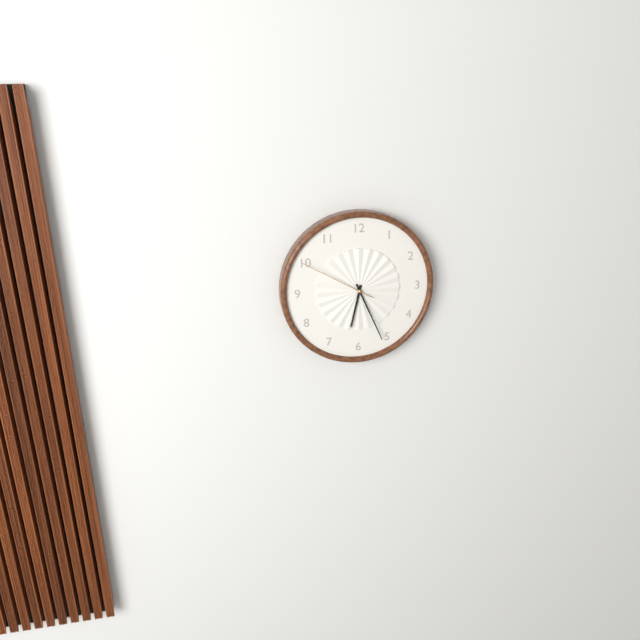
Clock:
h=6 m=26 s=50
